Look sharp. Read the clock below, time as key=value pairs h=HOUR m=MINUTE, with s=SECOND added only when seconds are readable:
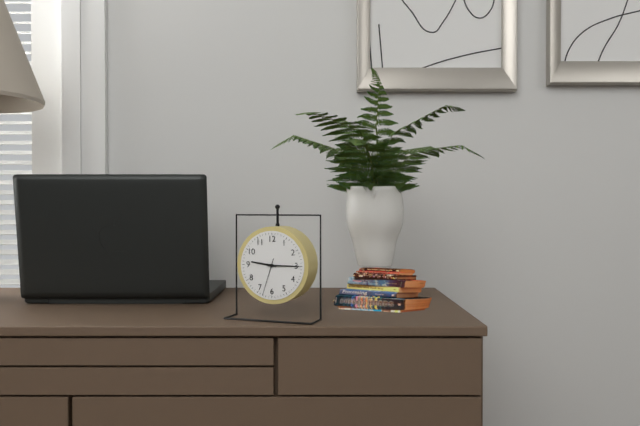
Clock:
h=9 m=15
